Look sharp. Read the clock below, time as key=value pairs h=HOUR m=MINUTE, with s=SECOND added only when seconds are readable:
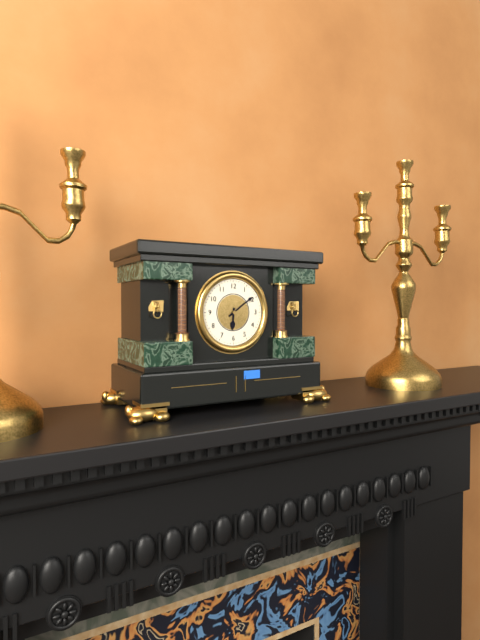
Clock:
h=6 m=9
